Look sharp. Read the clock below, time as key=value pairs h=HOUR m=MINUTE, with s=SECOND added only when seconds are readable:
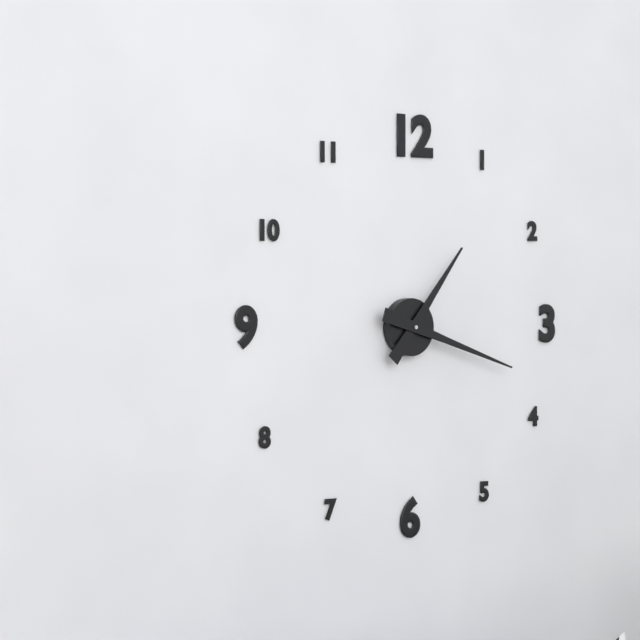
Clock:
h=1 m=18
